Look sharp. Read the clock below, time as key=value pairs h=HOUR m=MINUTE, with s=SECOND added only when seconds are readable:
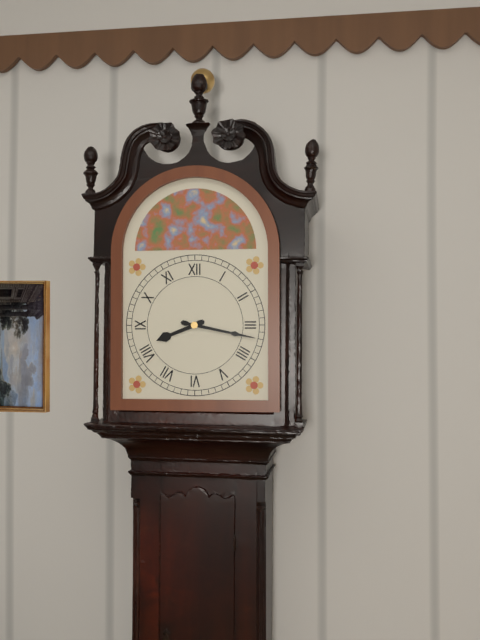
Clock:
h=8 m=17
